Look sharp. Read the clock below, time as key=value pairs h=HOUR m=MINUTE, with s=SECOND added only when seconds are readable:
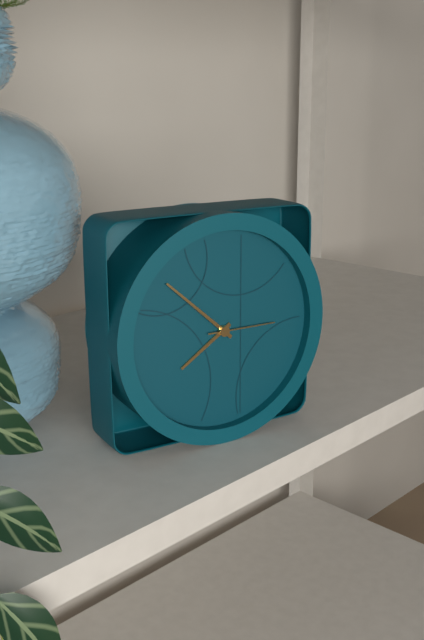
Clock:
h=7 m=52 s=15
